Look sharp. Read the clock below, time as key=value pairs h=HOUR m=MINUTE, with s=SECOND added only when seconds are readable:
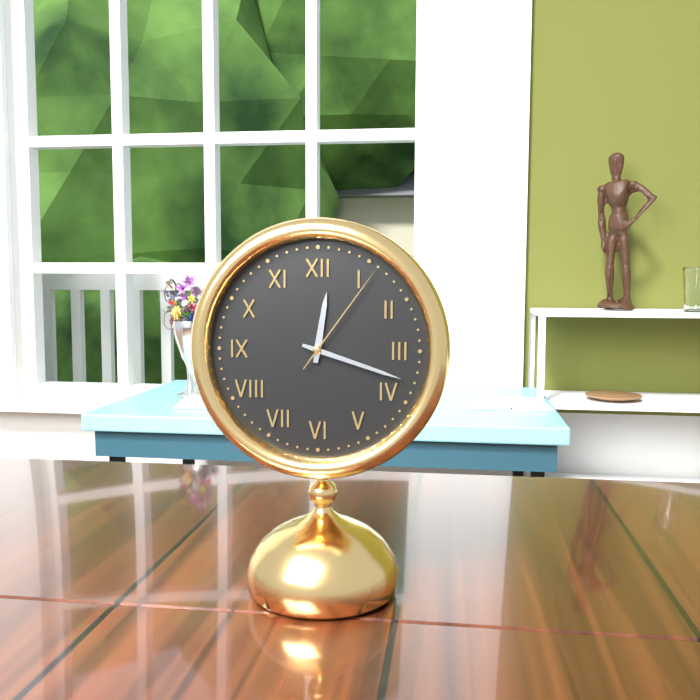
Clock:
h=12 m=18 s=6
